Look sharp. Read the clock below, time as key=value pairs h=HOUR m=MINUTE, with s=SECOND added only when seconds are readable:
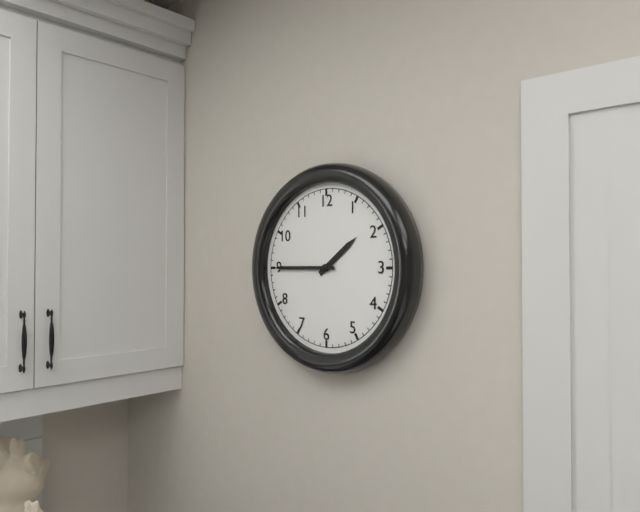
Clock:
h=1 m=45
